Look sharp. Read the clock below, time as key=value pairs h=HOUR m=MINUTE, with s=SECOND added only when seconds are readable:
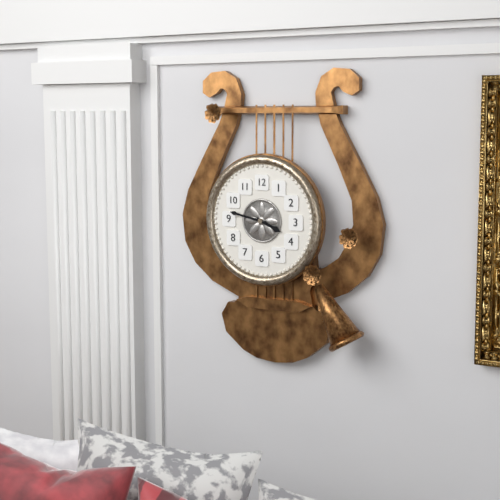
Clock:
h=3 m=47
